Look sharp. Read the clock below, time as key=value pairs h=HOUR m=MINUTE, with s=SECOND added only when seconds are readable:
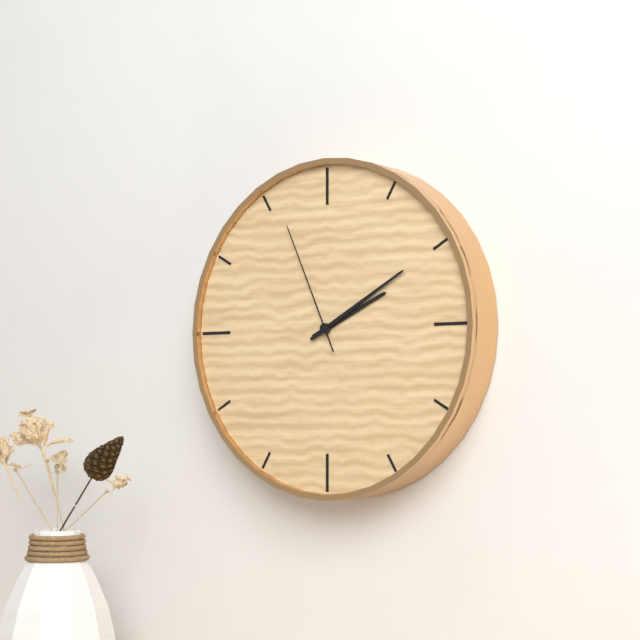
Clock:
h=2 m=10 s=56
